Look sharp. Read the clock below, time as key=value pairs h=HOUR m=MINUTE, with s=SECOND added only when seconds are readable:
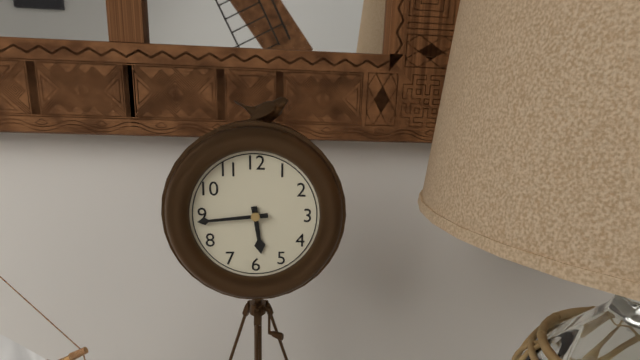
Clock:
h=5 m=44
